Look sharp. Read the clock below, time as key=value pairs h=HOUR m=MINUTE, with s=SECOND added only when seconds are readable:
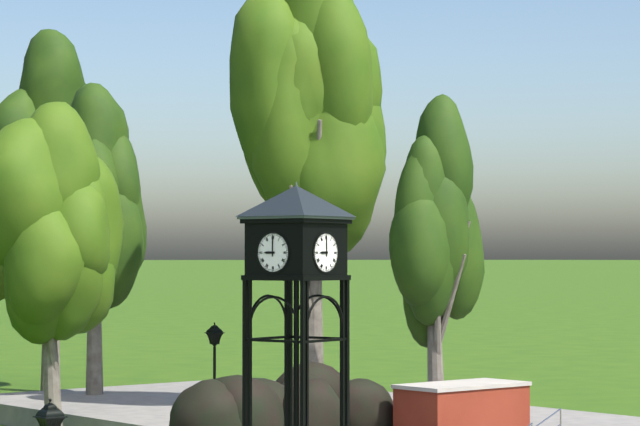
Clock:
h=9 m=0
